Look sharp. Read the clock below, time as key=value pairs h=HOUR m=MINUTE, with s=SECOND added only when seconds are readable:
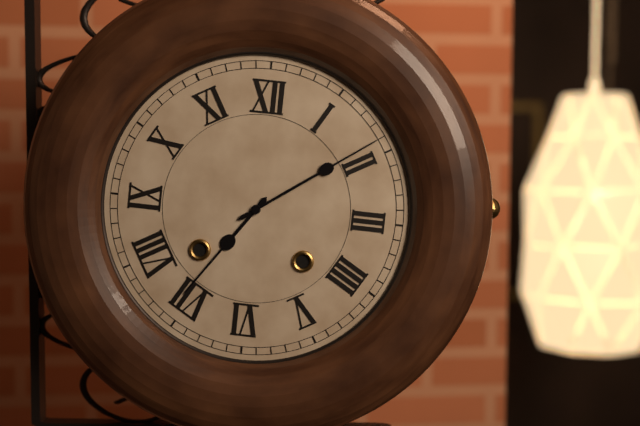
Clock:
h=7 m=9
